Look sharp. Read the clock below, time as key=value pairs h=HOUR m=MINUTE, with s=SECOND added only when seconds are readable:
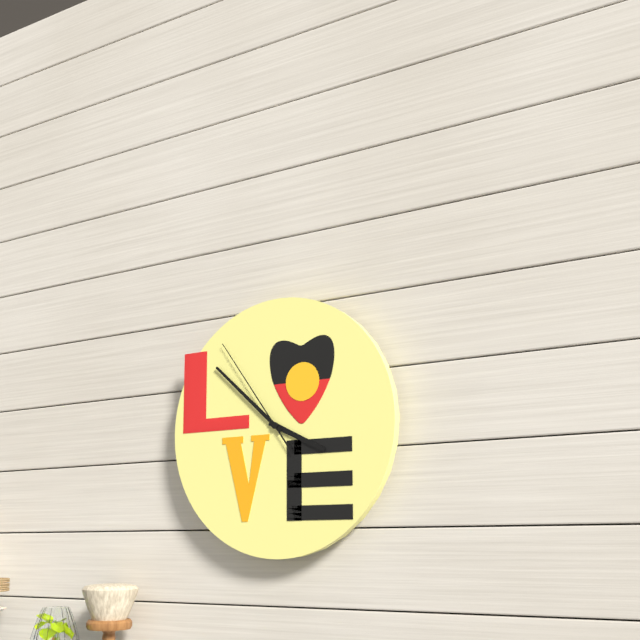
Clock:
h=3 m=52 s=54
